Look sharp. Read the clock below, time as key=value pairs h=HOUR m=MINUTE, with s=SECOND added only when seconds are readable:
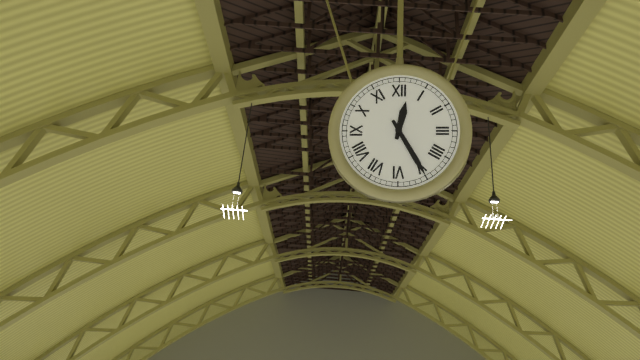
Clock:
h=12 m=25
